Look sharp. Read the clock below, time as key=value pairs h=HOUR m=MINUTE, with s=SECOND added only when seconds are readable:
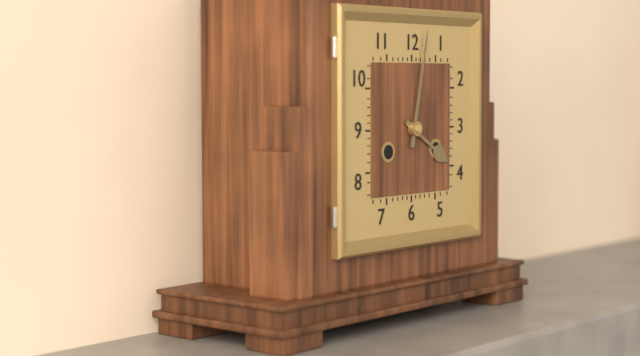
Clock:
h=4 m=2
